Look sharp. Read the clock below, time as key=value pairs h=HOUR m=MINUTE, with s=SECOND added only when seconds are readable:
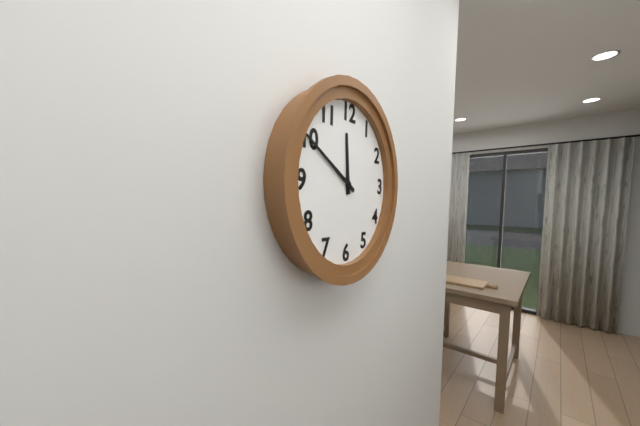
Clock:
h=11 m=50
